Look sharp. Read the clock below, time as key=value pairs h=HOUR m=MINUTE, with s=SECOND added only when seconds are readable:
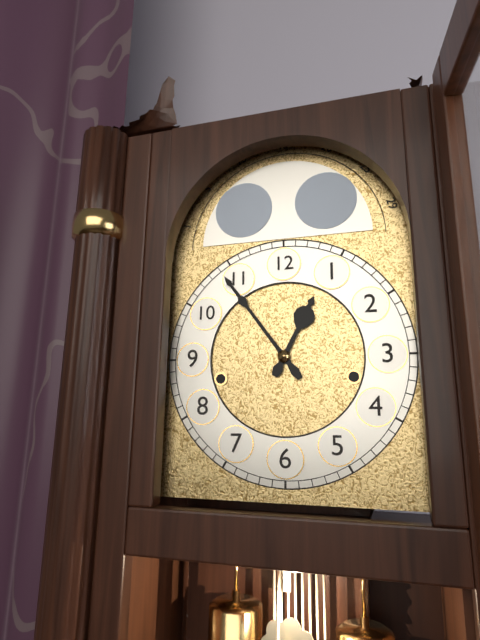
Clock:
h=12 m=54
